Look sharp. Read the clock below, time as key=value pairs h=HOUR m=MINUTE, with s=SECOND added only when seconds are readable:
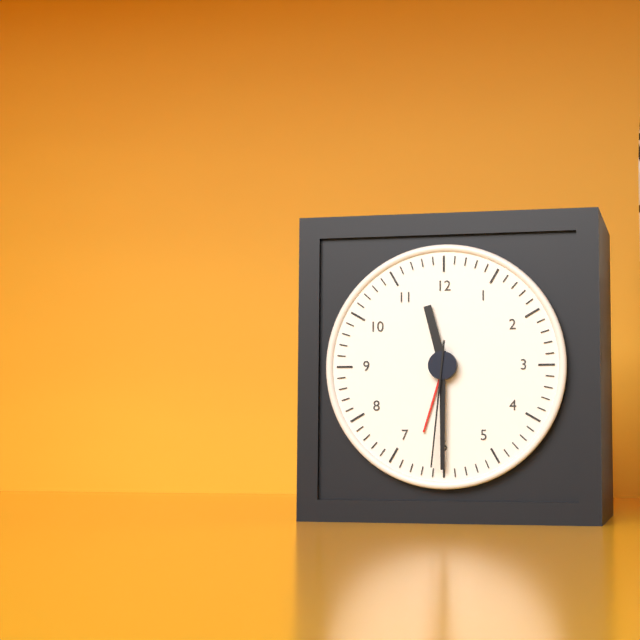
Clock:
h=11 m=30 s=31
